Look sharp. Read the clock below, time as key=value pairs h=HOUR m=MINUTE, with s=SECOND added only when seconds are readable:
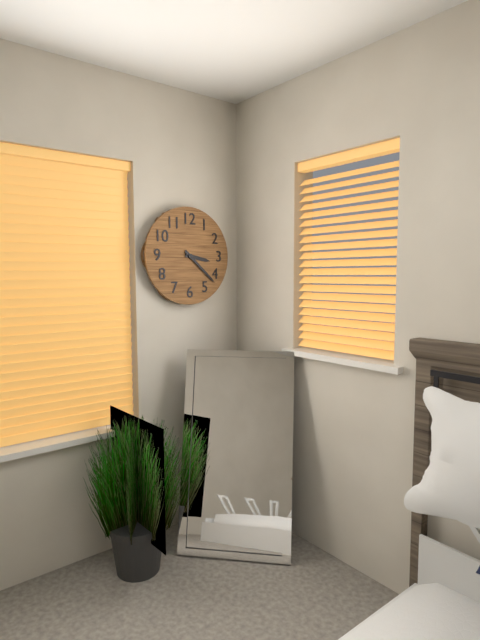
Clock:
h=3 m=22
